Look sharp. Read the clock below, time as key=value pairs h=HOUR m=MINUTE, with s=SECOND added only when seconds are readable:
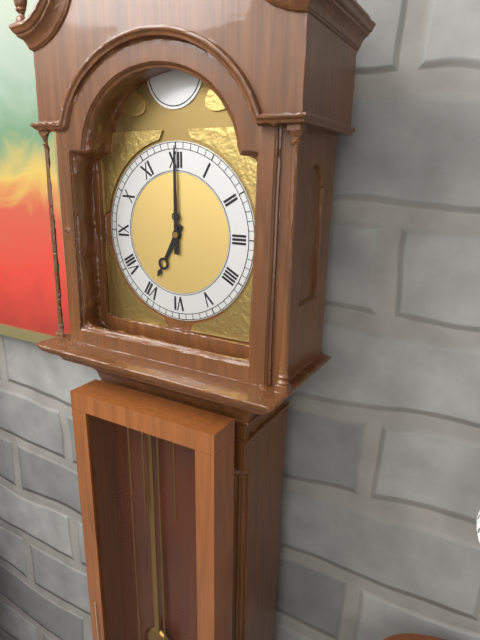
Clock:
h=7 m=0
